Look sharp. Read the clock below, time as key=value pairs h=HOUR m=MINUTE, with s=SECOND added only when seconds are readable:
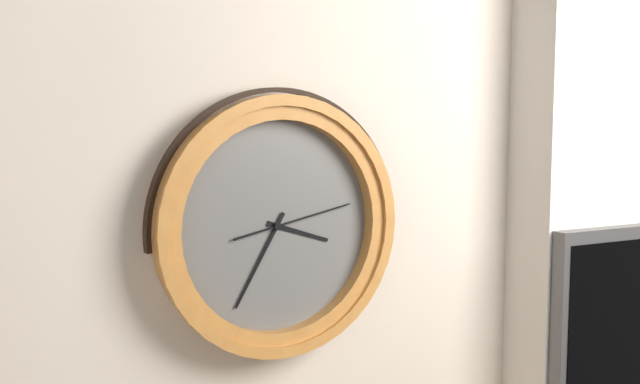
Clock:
h=3 m=35 s=13
